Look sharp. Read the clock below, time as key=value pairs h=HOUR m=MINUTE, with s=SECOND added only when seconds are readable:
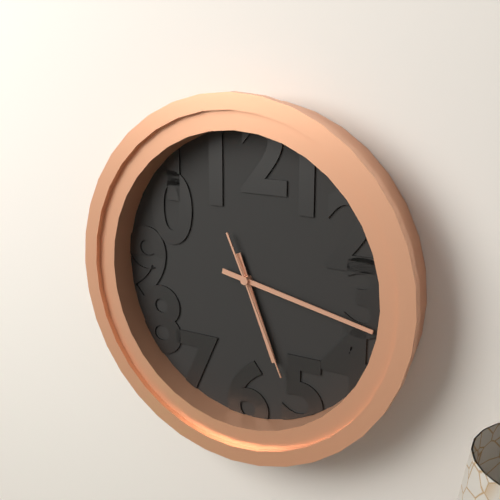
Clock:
h=5 m=17 s=26
